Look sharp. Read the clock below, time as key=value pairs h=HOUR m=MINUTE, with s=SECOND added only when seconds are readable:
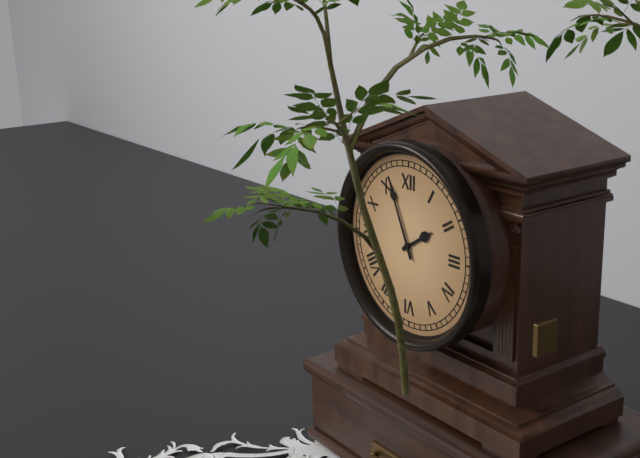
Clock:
h=1 m=56
